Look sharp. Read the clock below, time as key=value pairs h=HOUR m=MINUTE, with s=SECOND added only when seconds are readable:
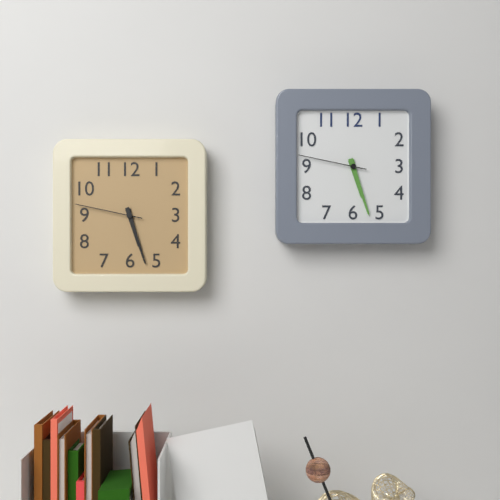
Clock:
h=5 m=27 s=47
